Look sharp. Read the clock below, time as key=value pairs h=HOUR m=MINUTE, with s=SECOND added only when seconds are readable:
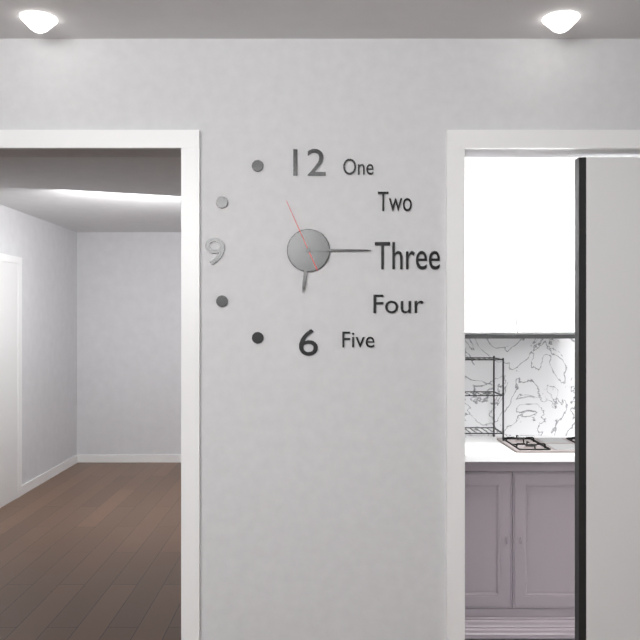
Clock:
h=6 m=15 s=56
